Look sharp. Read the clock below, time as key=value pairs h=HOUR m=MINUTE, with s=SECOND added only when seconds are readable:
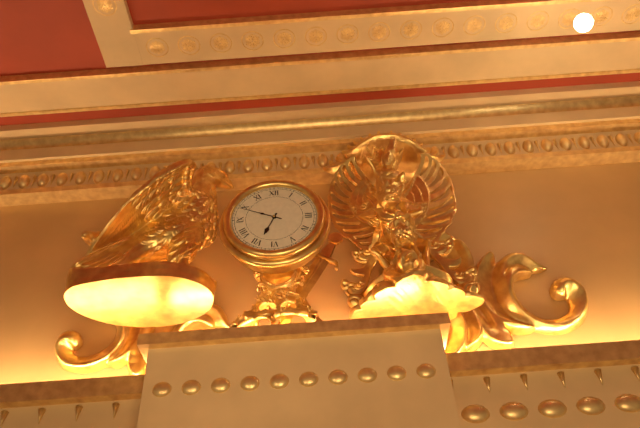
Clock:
h=6 m=49
